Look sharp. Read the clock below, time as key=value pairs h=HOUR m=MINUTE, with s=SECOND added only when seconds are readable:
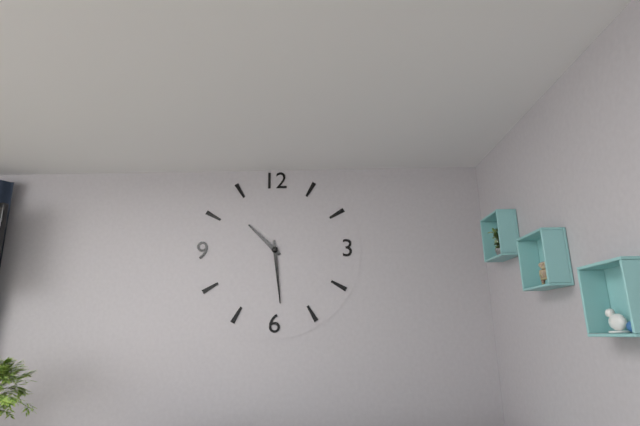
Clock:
h=10 m=29
